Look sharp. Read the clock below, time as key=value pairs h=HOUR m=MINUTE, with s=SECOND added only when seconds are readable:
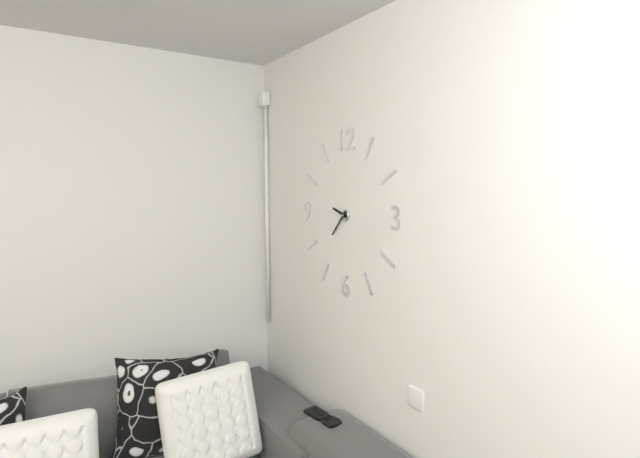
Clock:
h=9 m=37
